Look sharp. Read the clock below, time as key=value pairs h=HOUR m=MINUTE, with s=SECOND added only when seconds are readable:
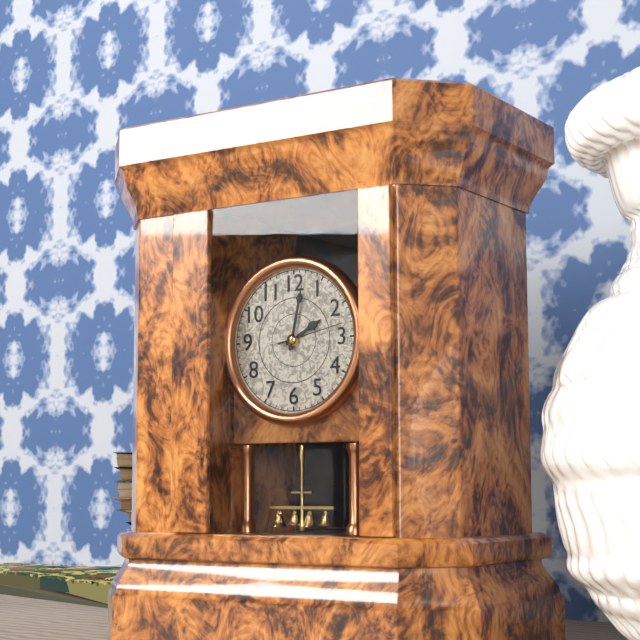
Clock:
h=2 m=2 s=13
